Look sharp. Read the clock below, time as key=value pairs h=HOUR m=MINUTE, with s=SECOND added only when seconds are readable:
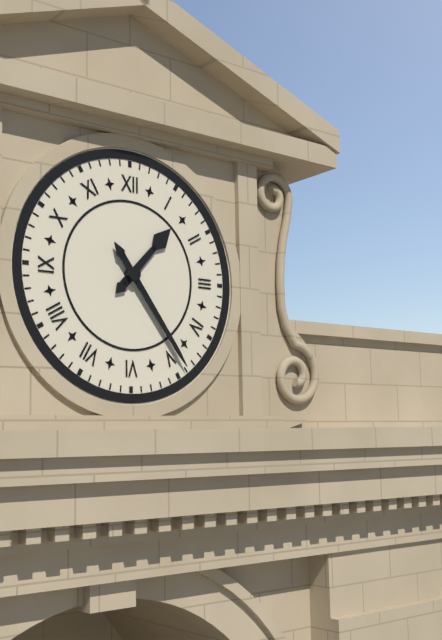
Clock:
h=1 m=24
